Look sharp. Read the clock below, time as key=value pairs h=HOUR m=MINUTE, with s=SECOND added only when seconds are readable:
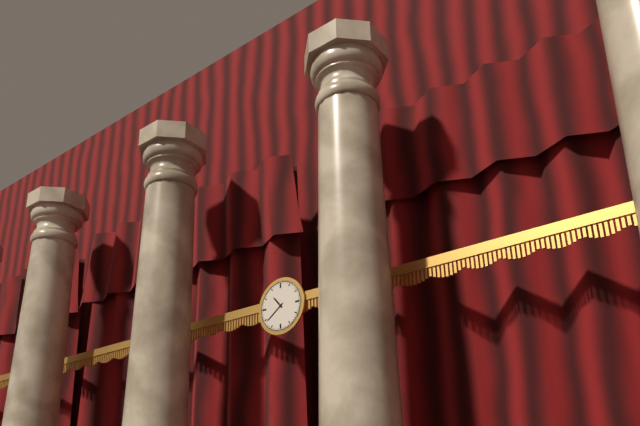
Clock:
h=10 m=39
